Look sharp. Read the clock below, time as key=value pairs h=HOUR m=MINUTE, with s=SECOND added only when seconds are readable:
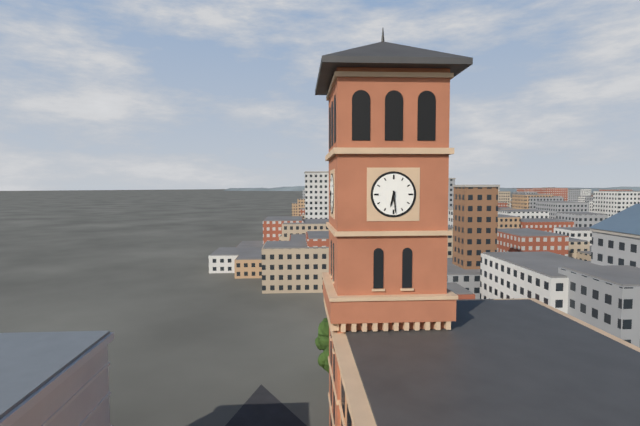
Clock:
h=6 m=29
